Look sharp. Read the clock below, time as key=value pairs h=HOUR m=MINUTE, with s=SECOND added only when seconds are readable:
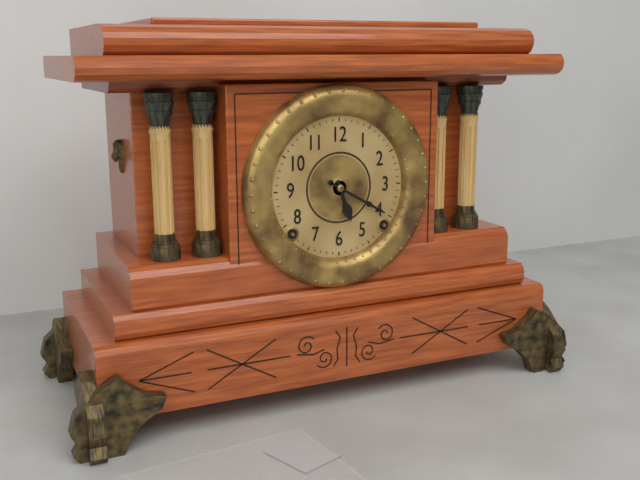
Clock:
h=5 m=20
